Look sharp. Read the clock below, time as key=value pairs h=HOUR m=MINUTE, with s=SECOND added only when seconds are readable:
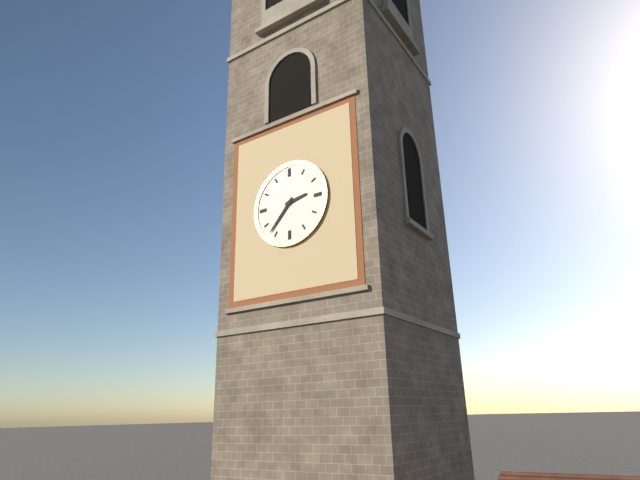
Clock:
h=2 m=37
